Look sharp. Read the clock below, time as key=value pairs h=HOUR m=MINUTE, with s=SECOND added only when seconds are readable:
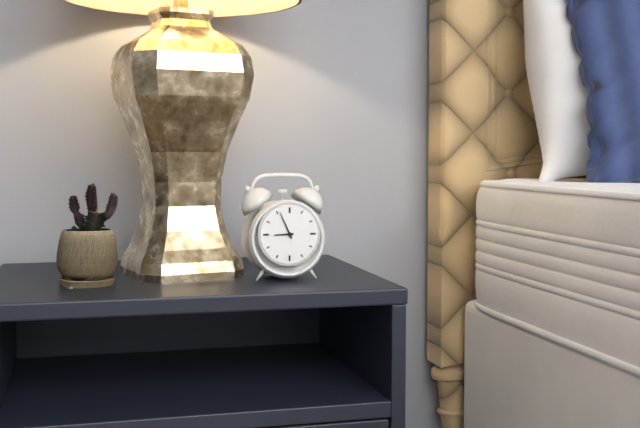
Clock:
h=8 m=56
